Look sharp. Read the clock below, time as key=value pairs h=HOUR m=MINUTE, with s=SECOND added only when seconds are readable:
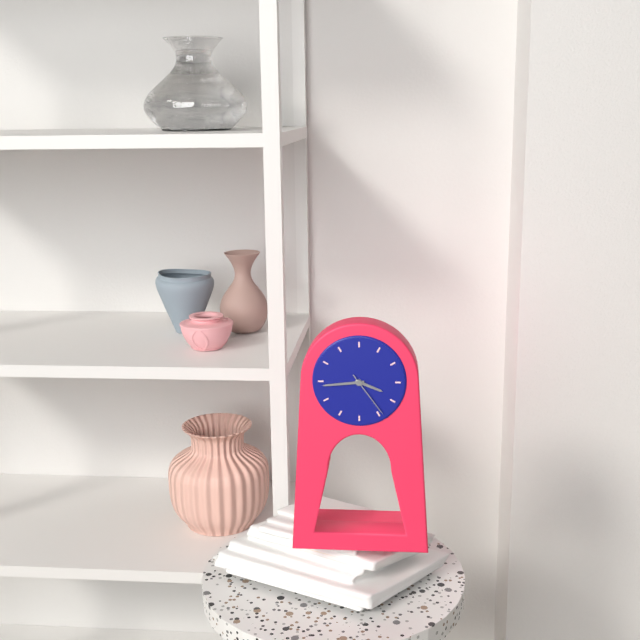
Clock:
h=3 m=44 s=24
